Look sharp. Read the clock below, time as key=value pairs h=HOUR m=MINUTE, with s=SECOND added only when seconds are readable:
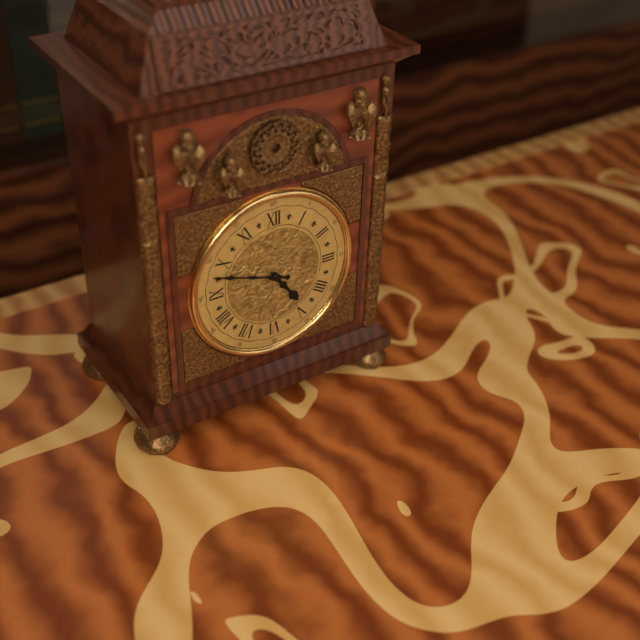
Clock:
h=4 m=48
